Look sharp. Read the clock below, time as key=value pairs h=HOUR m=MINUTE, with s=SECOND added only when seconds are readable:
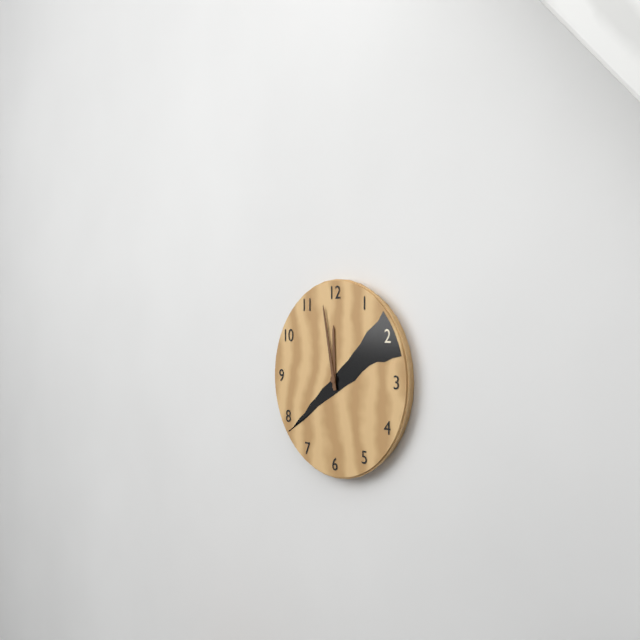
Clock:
h=11 m=58
